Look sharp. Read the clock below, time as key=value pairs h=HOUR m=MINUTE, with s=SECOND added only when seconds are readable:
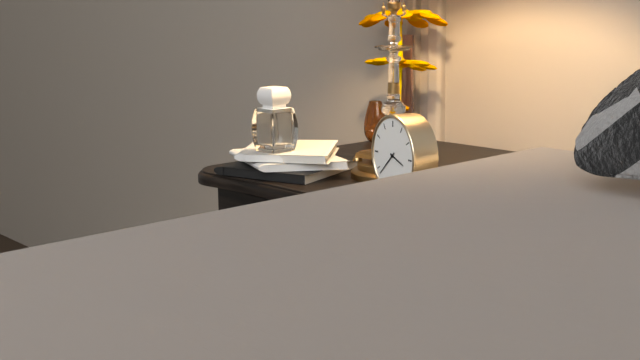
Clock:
h=3 m=38
